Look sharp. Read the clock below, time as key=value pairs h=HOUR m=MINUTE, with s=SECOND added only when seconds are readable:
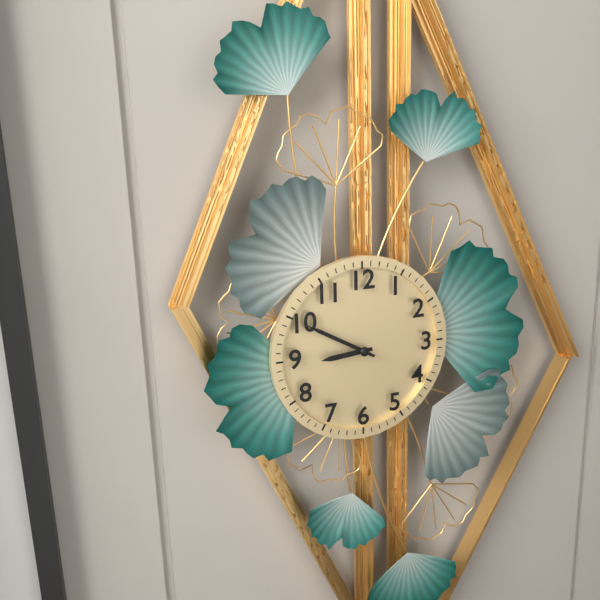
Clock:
h=8 m=50
